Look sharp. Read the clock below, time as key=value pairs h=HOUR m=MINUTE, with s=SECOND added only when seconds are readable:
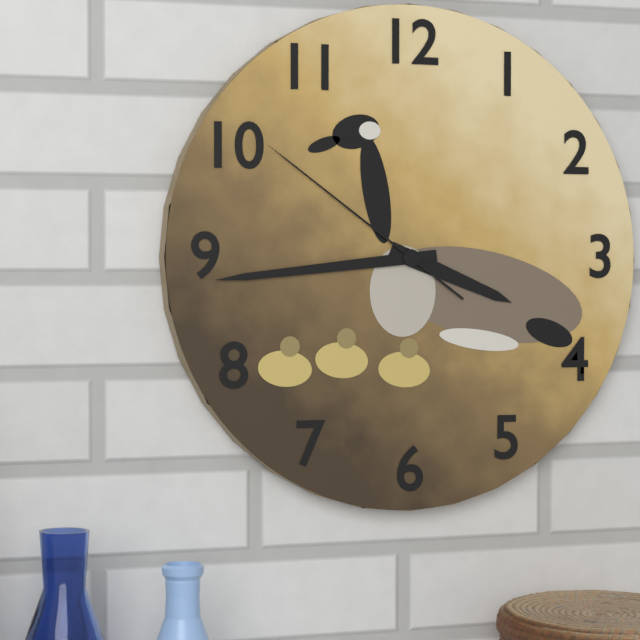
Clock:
h=3 m=44 s=51
